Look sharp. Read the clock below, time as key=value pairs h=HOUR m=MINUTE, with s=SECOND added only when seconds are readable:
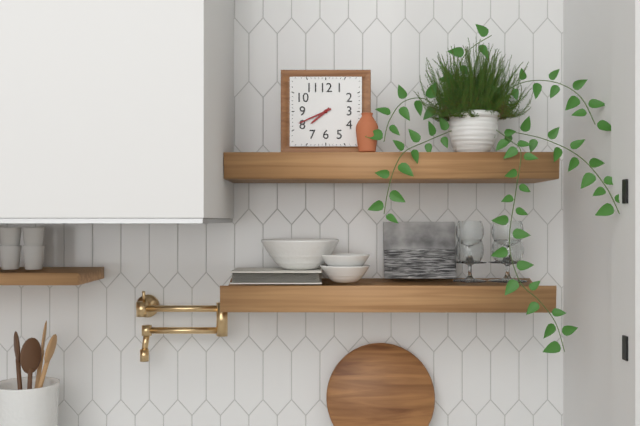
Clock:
h=7 m=41
